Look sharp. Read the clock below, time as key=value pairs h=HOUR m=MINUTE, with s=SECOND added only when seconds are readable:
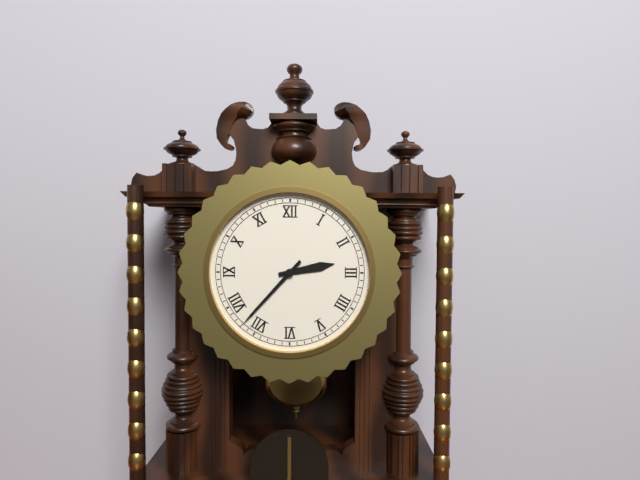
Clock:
h=2 m=37
